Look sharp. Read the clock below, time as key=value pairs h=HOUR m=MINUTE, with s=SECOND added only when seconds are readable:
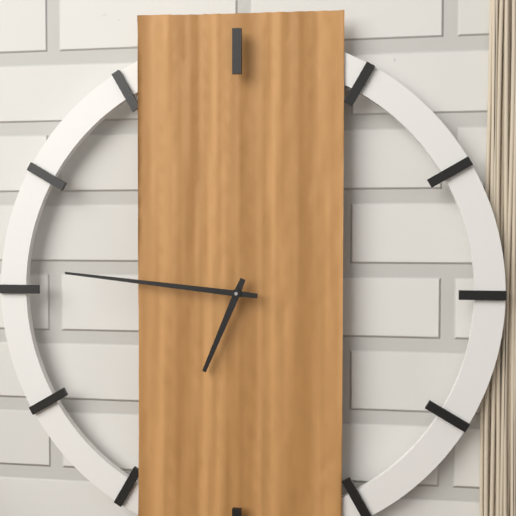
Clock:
h=6 m=46
